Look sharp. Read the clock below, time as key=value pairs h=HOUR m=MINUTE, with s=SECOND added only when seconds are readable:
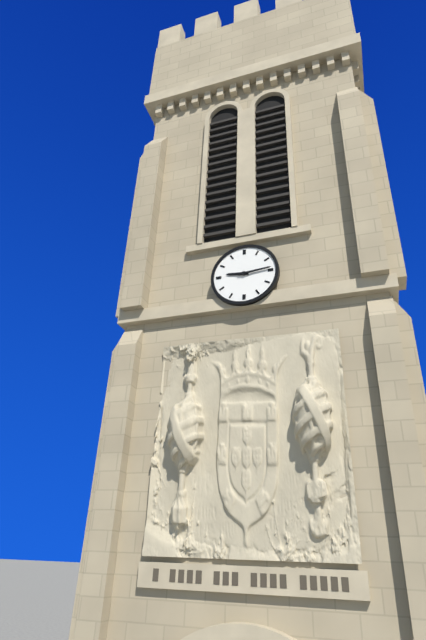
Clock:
h=9 m=14
